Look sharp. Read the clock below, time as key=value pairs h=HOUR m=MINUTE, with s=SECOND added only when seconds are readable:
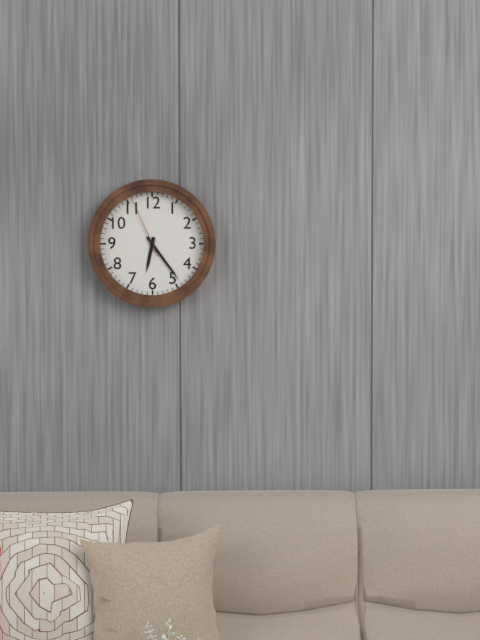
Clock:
h=6 m=24 s=56
